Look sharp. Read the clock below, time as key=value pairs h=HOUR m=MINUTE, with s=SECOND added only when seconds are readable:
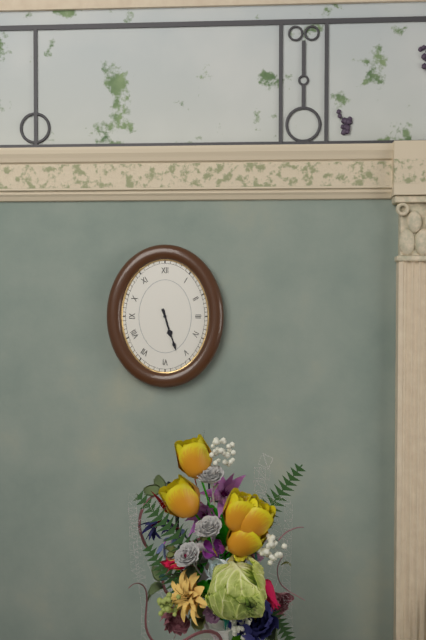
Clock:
h=5 m=27
